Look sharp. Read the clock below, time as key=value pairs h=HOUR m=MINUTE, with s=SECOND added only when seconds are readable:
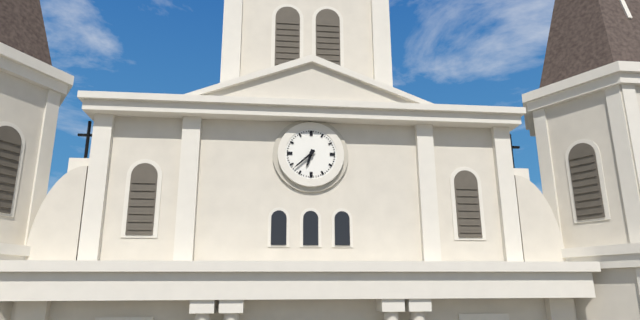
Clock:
h=6 m=38
